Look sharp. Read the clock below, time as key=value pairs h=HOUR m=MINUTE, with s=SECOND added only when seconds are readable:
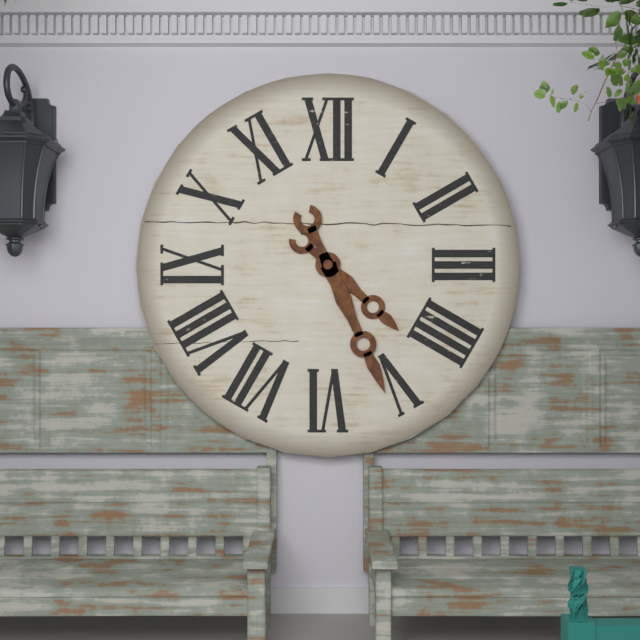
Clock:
h=4 m=26
